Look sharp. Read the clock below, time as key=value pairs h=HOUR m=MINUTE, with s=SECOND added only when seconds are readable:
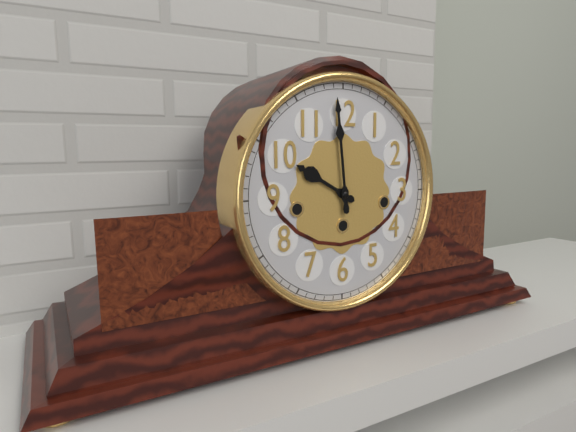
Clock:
h=9 m=59
